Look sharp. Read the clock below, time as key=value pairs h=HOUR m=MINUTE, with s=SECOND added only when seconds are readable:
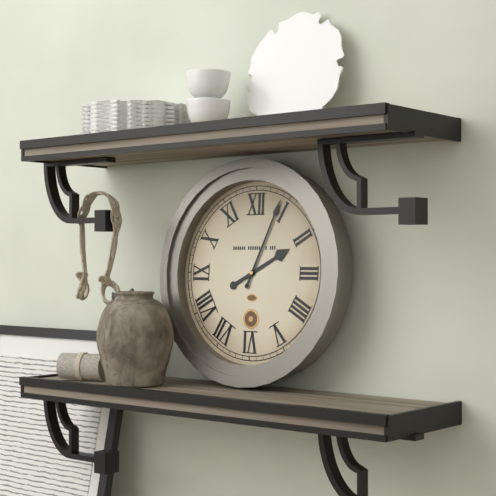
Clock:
h=2 m=4
